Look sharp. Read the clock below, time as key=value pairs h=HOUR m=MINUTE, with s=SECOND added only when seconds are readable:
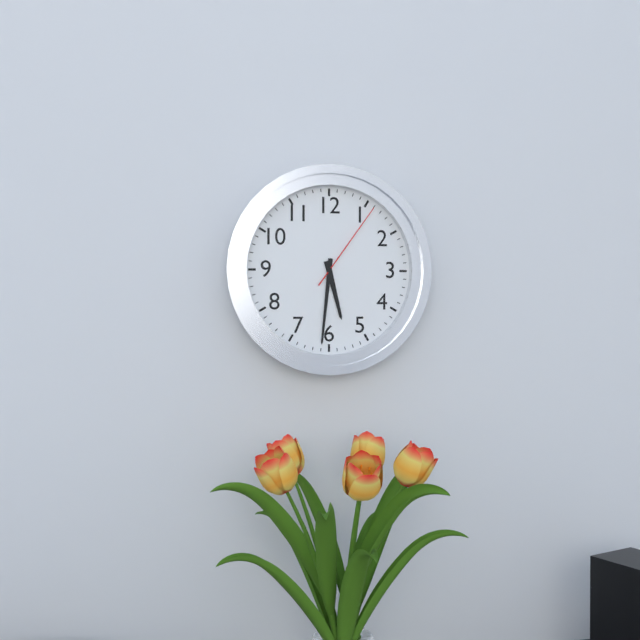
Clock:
h=5 m=31 s=6
